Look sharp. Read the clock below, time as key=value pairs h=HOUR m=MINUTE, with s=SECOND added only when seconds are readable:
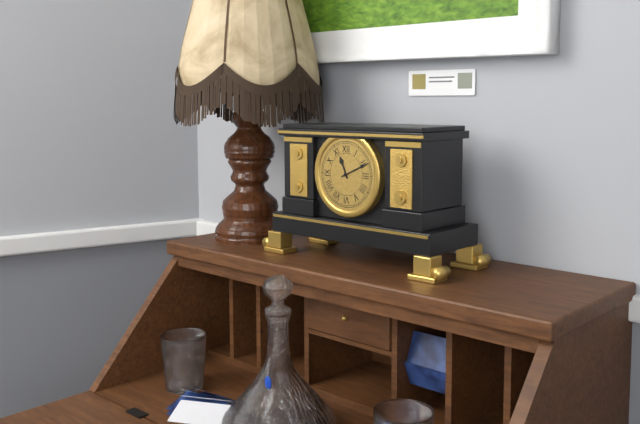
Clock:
h=11 m=11
